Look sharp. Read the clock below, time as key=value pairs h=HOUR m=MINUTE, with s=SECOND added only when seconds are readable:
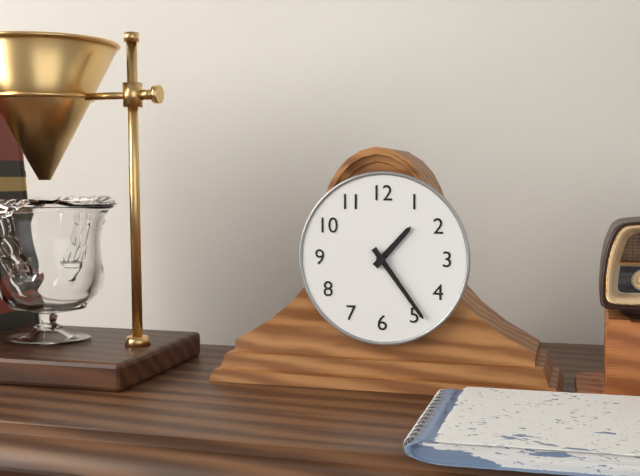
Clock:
h=1 m=24
